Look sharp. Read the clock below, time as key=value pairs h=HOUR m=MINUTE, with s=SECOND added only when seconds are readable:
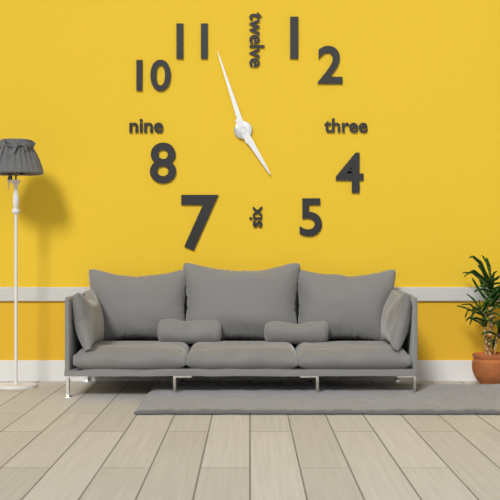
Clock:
h=4 m=57
